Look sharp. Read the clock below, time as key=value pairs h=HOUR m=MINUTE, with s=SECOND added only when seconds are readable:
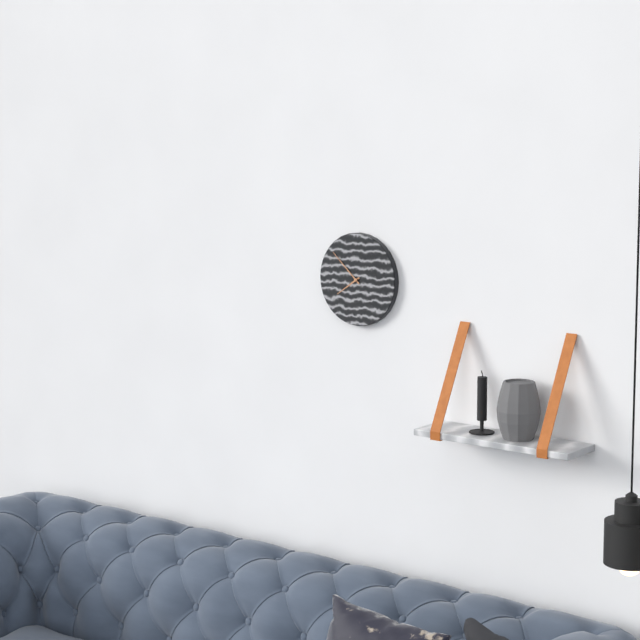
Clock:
h=7 m=52
